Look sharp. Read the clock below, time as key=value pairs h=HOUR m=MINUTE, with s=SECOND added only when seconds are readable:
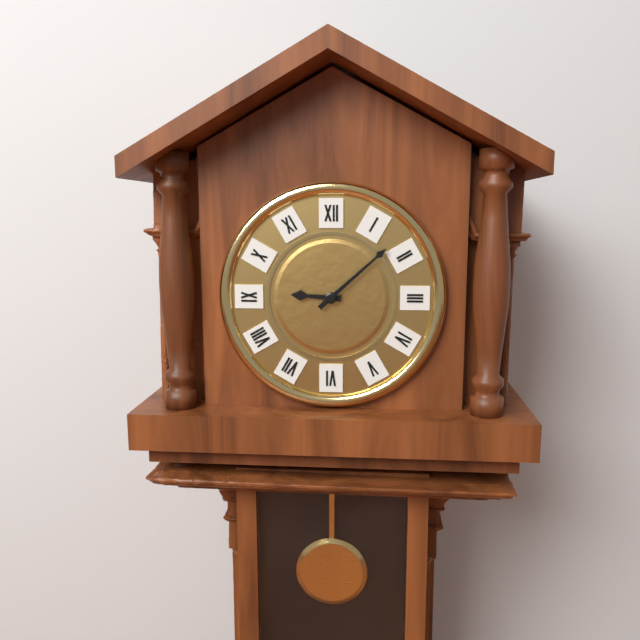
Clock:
h=9 m=8
